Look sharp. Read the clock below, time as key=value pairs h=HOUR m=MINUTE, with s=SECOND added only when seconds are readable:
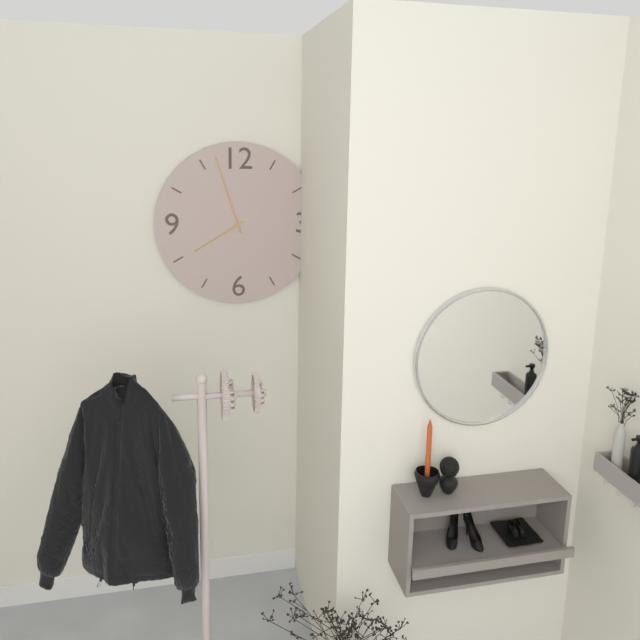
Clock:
h=7 m=57
